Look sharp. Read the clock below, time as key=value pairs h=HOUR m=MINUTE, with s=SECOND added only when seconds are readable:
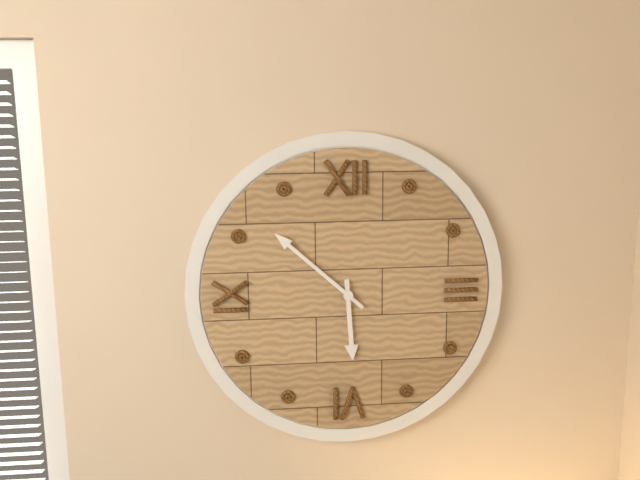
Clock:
h=5 m=52
